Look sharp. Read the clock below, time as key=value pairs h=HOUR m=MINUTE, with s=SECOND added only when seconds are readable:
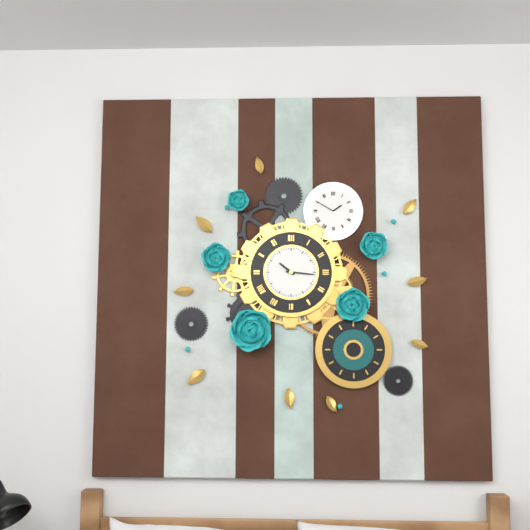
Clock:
h=10 m=16
